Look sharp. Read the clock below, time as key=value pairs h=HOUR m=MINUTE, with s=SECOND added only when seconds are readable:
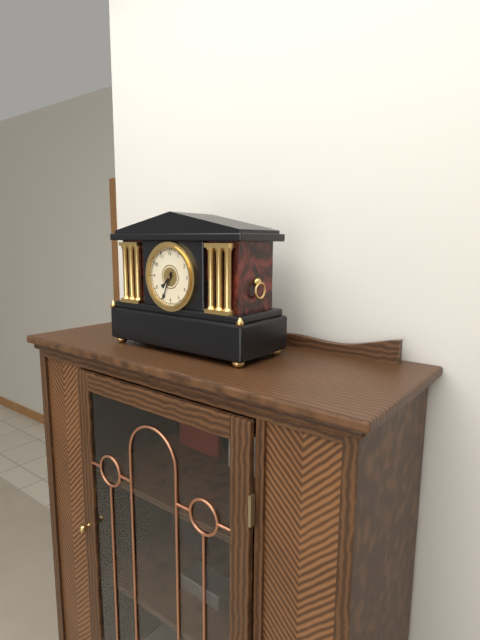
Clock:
h=7 m=34
